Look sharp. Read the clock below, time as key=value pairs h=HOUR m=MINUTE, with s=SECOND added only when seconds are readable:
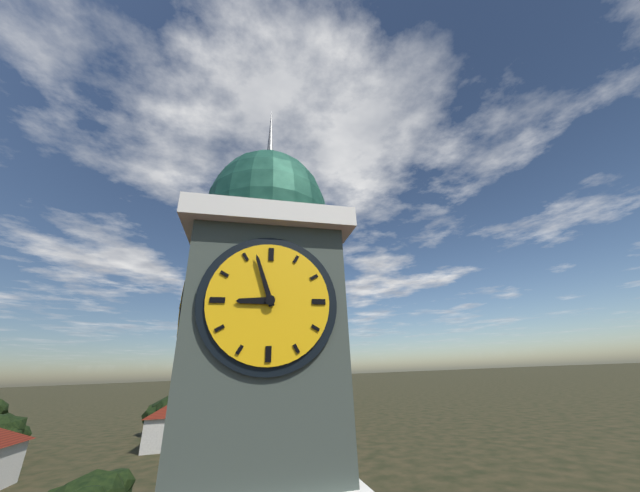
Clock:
h=8 m=57
